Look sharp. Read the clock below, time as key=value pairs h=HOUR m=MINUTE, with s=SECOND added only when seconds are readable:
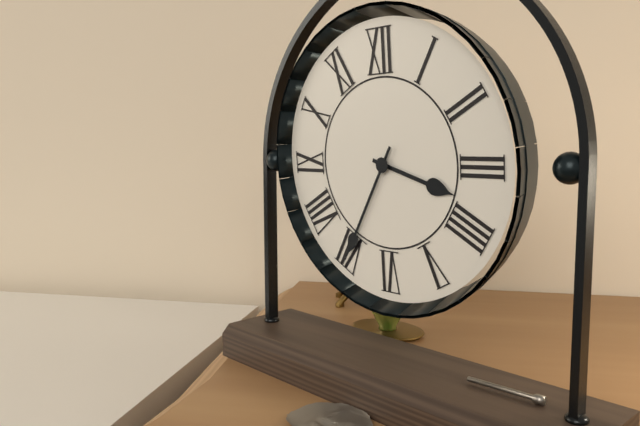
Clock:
h=3 m=35
